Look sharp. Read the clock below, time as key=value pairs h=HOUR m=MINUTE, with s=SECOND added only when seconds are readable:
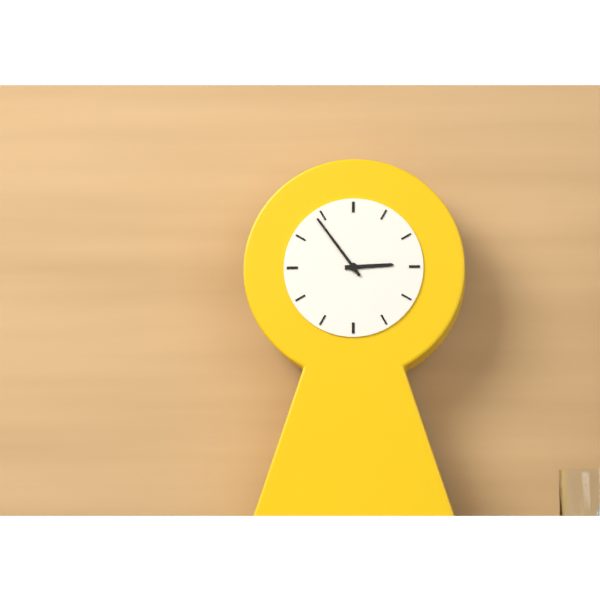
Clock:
h=2 m=54
